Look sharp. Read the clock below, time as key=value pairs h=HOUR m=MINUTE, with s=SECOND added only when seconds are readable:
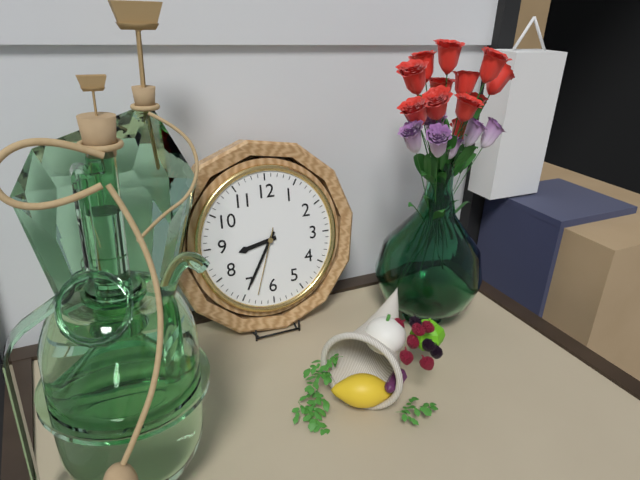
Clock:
h=8 m=35 s=33
